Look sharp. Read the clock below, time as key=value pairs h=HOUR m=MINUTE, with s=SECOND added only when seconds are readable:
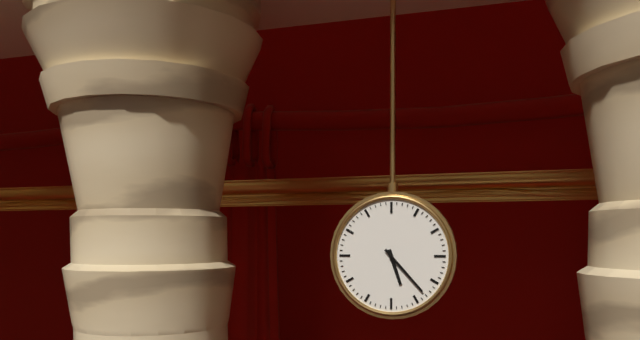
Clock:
h=5 m=23
